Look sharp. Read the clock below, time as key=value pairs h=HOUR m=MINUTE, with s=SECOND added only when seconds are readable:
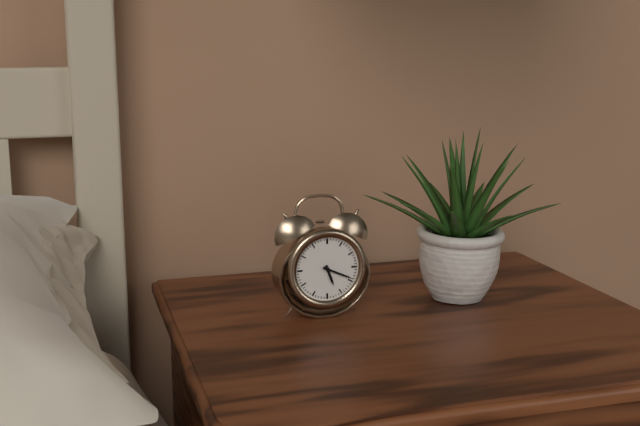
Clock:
h=5 m=19
